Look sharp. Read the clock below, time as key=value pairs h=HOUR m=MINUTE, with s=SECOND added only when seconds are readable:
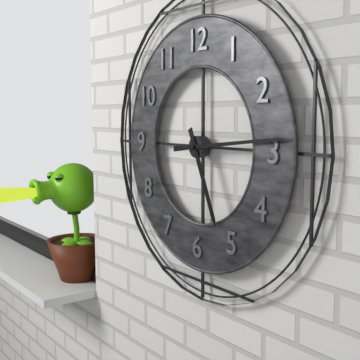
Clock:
h=5 m=14
